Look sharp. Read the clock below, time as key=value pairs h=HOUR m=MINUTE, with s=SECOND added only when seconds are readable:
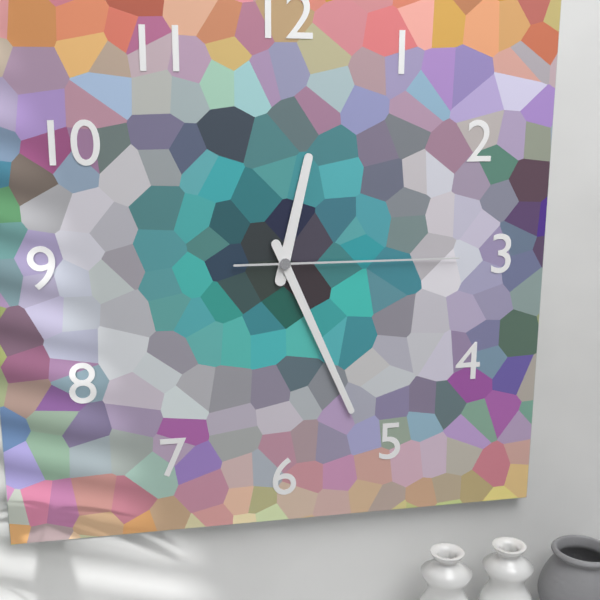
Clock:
h=12 m=26 s=15
